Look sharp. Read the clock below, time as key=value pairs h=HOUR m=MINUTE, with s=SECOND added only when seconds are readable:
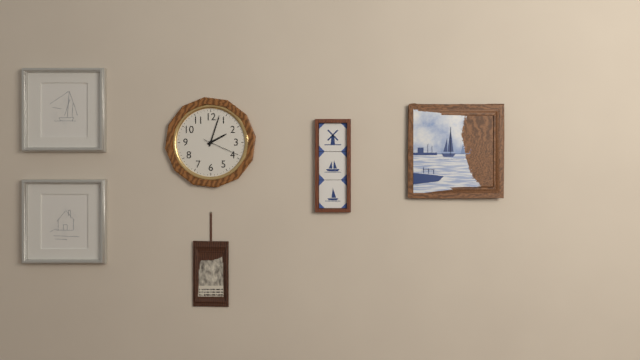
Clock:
h=2 m=3
